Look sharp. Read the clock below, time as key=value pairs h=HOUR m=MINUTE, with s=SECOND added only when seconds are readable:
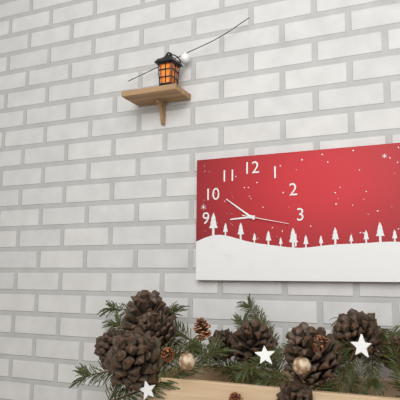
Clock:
h=8 m=51
